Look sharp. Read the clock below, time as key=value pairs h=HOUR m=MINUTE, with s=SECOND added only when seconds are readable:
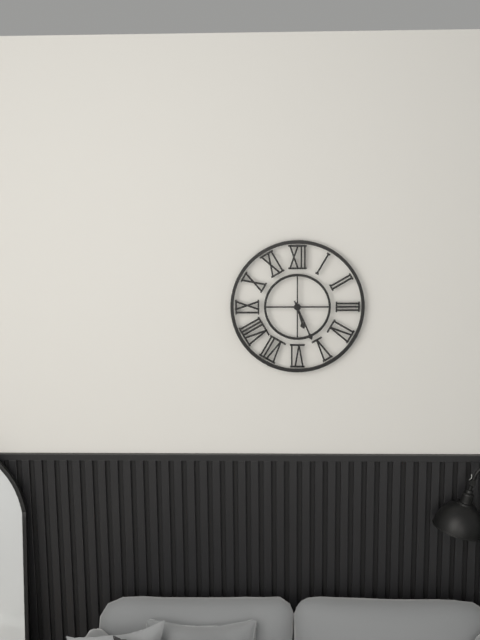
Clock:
h=5 m=26
